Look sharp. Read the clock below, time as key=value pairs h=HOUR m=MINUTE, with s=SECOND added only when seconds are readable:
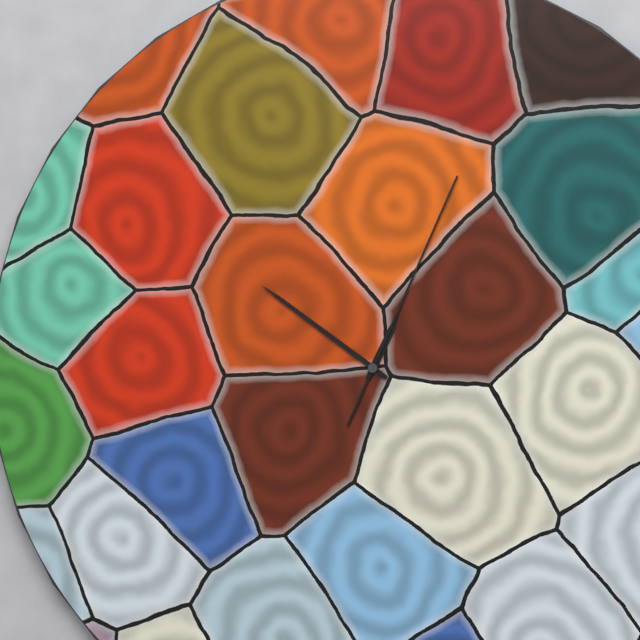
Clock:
h=12 m=51 s=4
